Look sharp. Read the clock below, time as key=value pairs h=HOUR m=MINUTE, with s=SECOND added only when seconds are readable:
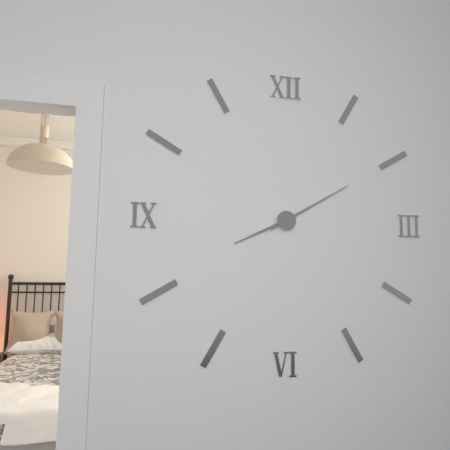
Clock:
h=8 m=10
